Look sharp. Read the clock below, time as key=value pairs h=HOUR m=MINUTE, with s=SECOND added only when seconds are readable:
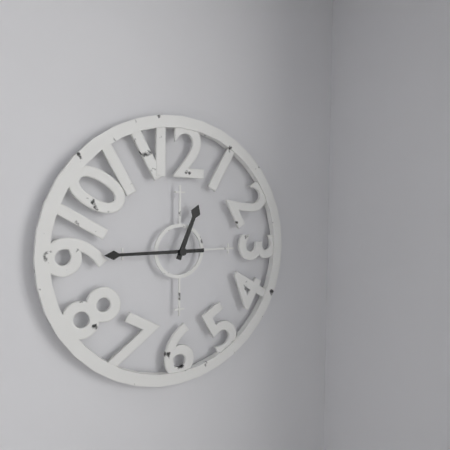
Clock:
h=12 m=45
